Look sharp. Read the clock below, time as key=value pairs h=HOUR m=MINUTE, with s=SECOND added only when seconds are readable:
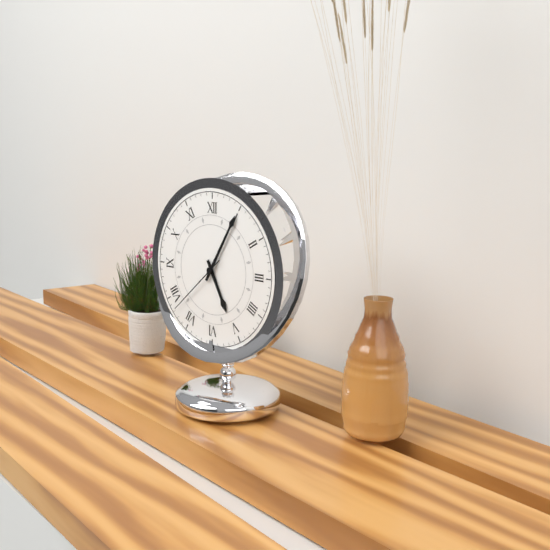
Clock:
h=5 m=5 s=38
